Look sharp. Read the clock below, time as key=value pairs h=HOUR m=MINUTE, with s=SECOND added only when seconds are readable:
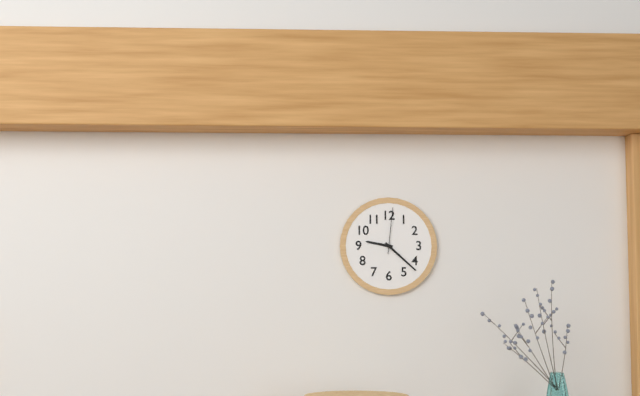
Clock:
h=9 m=22
